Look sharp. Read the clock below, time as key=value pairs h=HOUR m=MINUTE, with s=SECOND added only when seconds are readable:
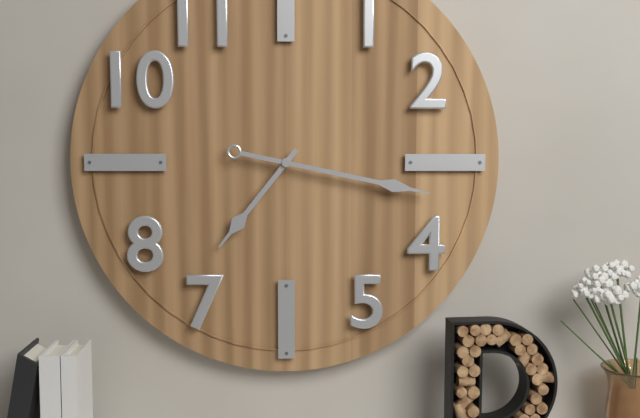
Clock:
h=7 m=17
